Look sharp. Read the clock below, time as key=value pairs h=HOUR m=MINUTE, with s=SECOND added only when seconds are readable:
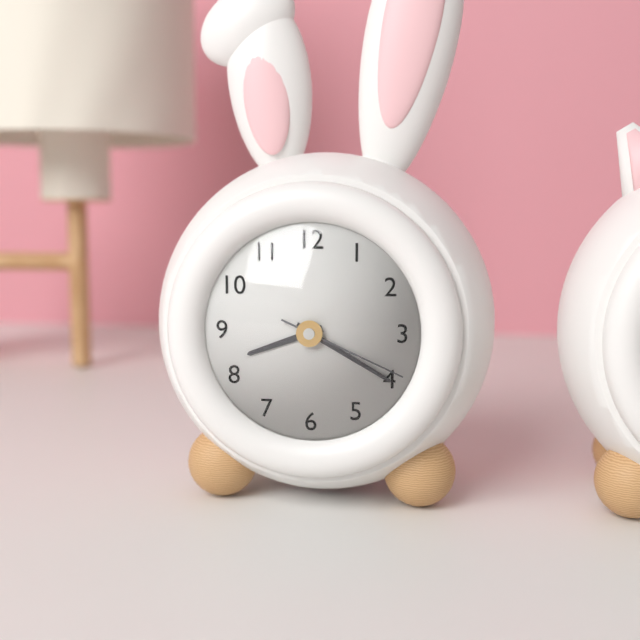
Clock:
h=8 m=20 s=19
